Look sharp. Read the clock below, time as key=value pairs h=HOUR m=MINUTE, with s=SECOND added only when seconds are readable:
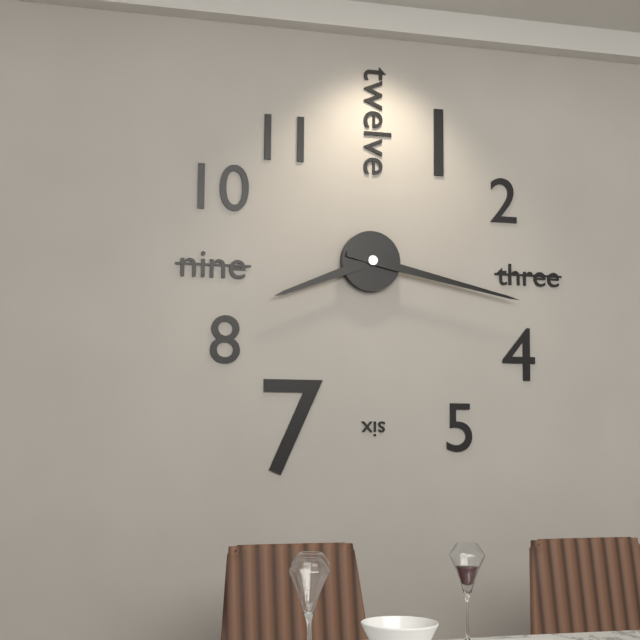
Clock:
h=8 m=17
